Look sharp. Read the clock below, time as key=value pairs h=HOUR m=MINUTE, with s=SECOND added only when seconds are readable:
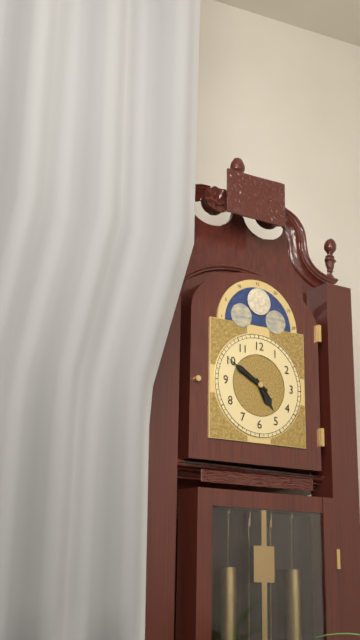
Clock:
h=4 m=50
